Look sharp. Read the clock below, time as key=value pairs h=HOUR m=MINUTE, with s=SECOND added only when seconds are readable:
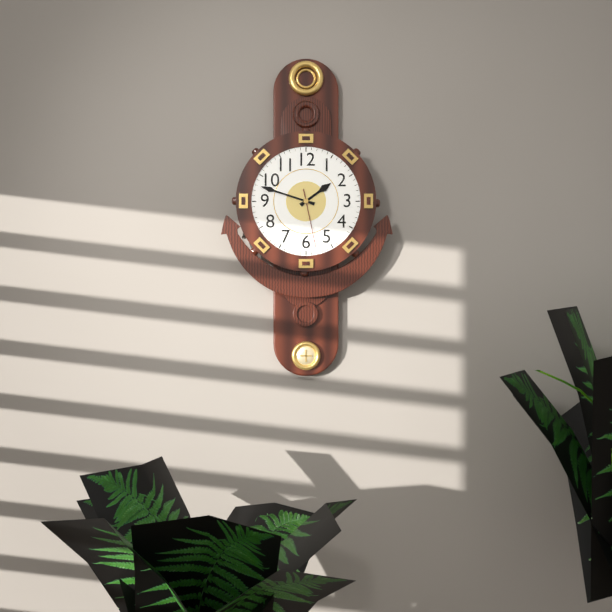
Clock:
h=1 m=48 s=28
